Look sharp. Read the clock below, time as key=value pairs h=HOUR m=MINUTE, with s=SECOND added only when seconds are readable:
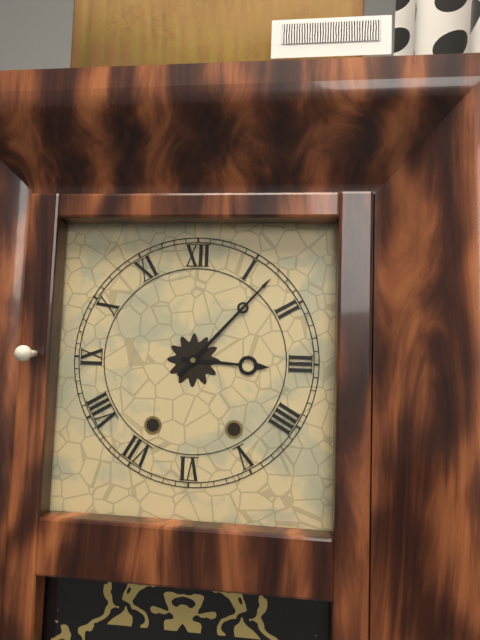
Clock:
h=3 m=7
